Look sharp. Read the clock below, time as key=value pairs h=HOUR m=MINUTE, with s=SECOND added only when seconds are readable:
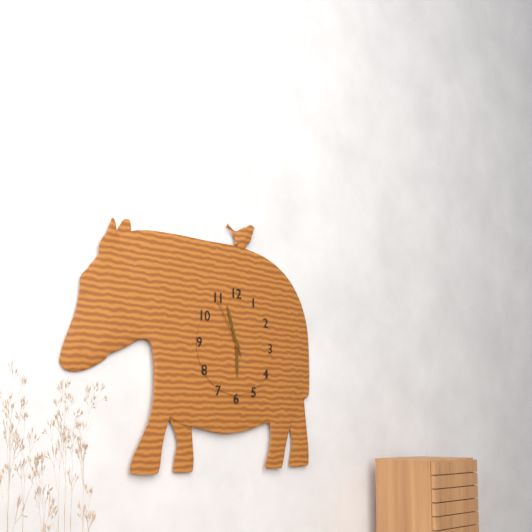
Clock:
h=5 m=57 s=55
